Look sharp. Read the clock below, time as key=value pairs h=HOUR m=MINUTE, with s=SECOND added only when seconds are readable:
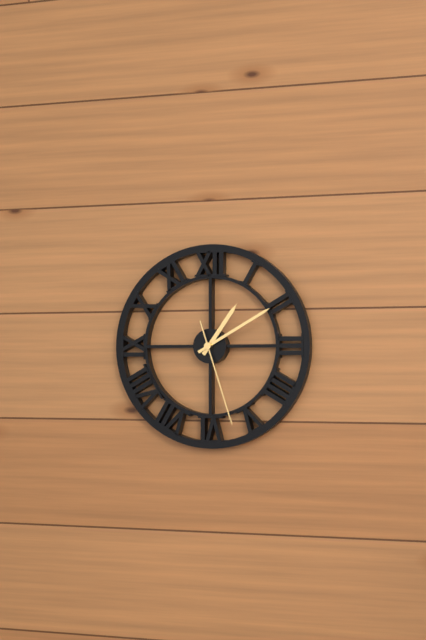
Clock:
h=1 m=10 s=27
